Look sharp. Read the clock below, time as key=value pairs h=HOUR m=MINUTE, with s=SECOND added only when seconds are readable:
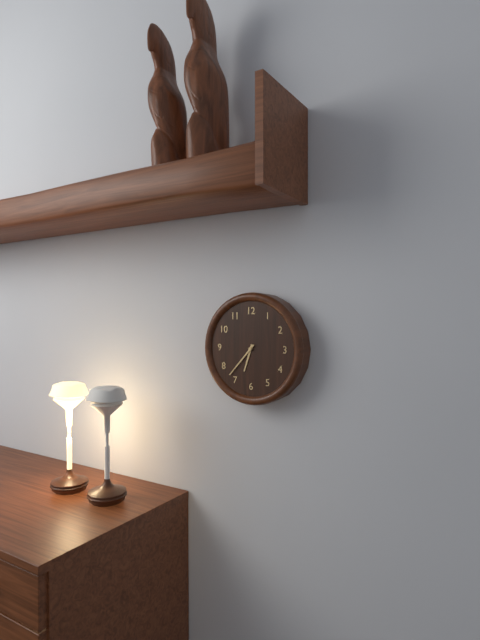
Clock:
h=6 m=37
